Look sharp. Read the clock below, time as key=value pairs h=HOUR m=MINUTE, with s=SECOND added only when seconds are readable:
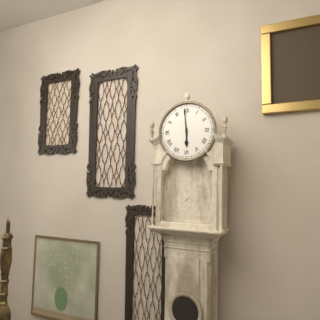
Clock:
h=5 m=59
